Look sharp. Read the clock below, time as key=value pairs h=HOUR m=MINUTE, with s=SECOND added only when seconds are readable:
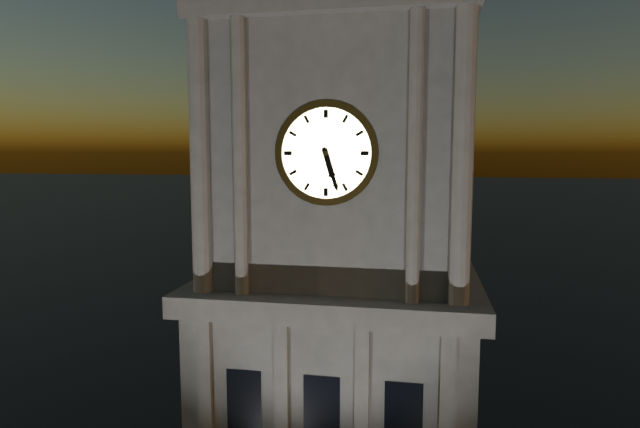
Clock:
h=5 m=27
